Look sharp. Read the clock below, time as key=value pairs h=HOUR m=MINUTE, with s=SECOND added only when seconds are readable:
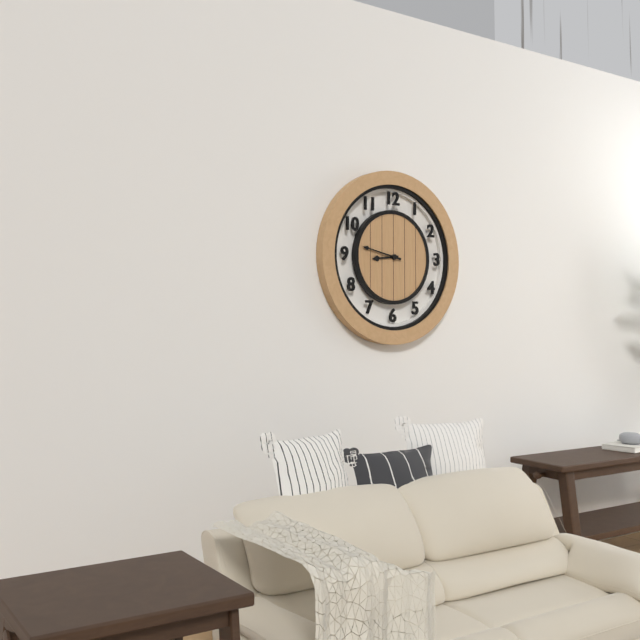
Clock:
h=8 m=47
